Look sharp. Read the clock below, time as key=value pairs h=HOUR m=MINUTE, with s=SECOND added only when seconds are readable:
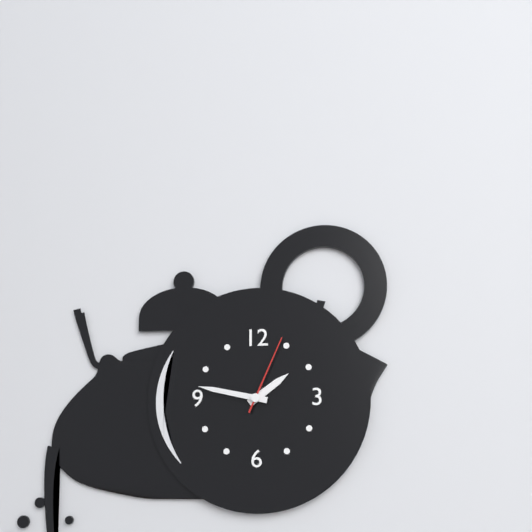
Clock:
h=1 m=47 s=4
